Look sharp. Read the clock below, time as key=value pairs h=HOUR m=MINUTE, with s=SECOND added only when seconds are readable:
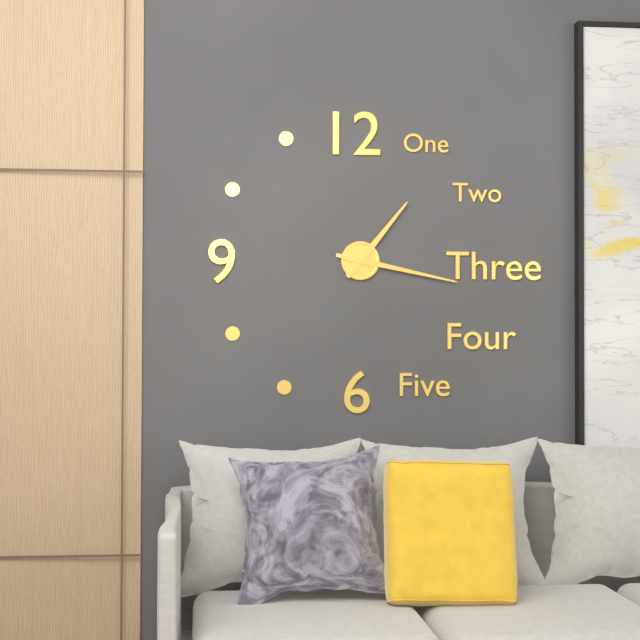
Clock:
h=1 m=17
